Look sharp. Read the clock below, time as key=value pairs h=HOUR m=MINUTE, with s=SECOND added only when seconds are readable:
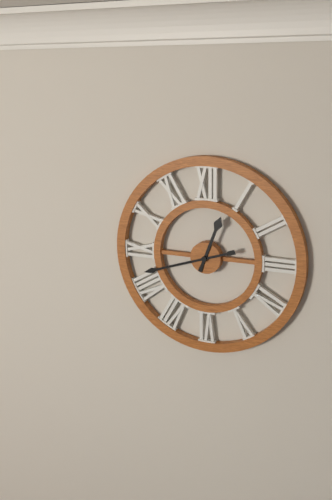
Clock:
h=12 m=42
